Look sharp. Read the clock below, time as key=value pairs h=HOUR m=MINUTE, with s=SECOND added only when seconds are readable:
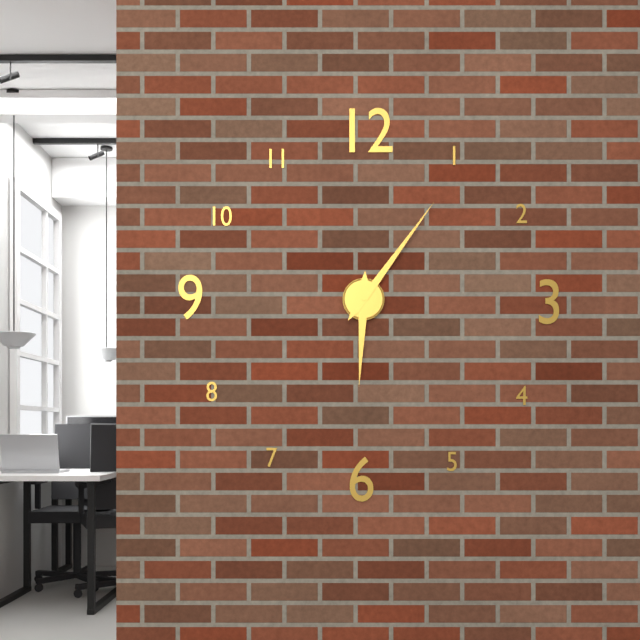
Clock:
h=6 m=6
